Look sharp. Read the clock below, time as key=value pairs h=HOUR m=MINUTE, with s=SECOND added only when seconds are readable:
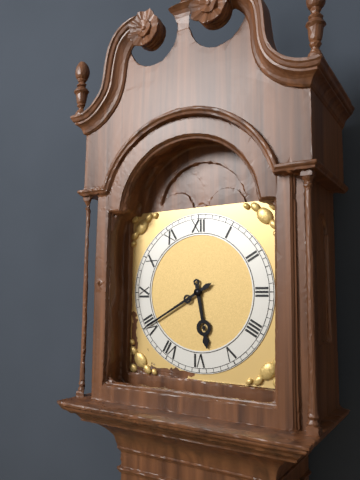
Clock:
h=5 m=40
